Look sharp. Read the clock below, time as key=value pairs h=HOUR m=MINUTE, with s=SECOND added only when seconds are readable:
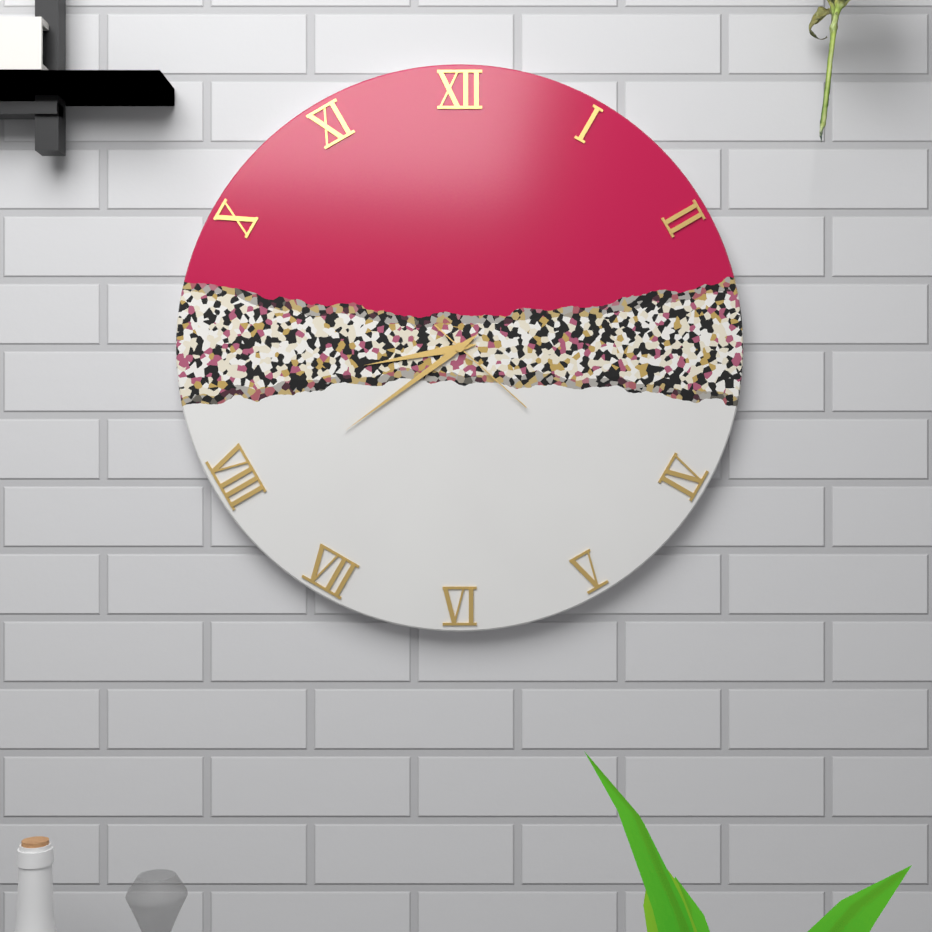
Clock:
h=8 m=39 s=22
